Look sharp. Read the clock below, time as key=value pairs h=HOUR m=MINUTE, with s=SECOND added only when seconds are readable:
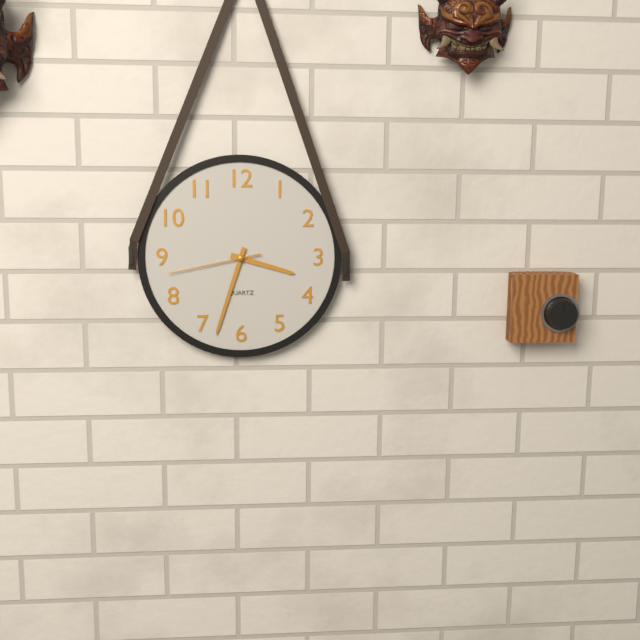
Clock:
h=3 m=33 s=43
